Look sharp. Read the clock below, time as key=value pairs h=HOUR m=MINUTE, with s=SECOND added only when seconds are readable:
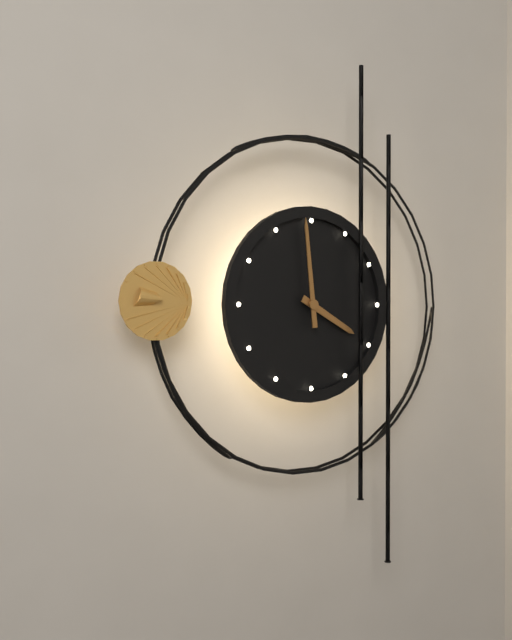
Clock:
h=3 m=59
